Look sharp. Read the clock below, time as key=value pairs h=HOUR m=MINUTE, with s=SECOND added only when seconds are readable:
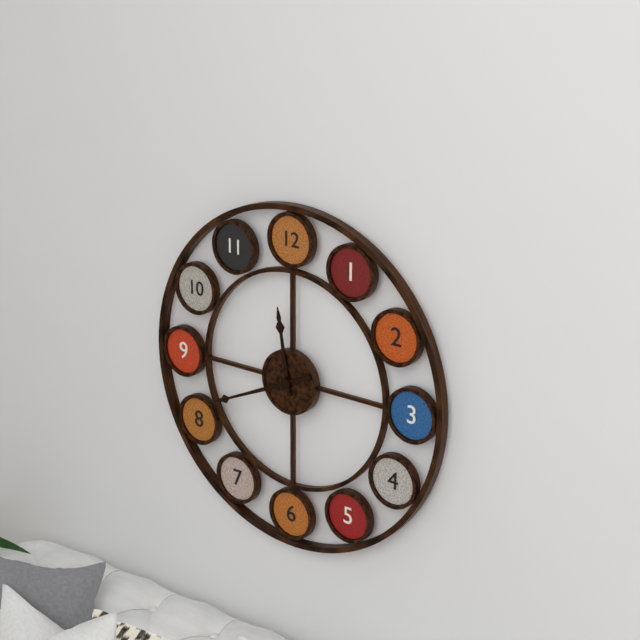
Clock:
h=11 m=41
